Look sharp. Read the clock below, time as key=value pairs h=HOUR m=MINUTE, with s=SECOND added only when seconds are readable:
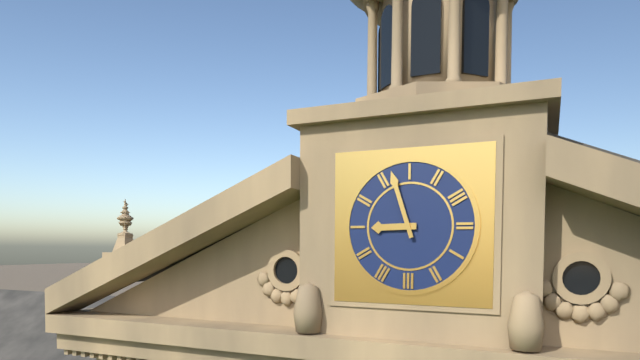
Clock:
h=8 m=57
